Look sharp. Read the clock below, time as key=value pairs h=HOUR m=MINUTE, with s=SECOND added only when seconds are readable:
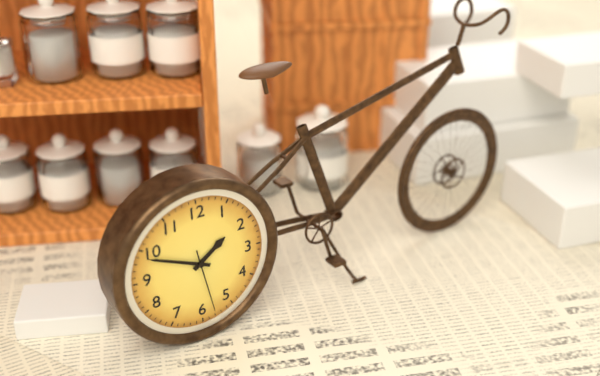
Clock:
h=1 m=49 s=28
